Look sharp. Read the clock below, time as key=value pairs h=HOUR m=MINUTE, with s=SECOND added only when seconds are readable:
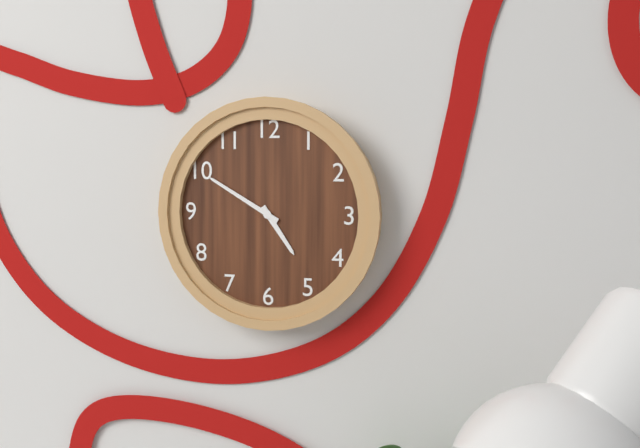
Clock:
h=4 m=50
